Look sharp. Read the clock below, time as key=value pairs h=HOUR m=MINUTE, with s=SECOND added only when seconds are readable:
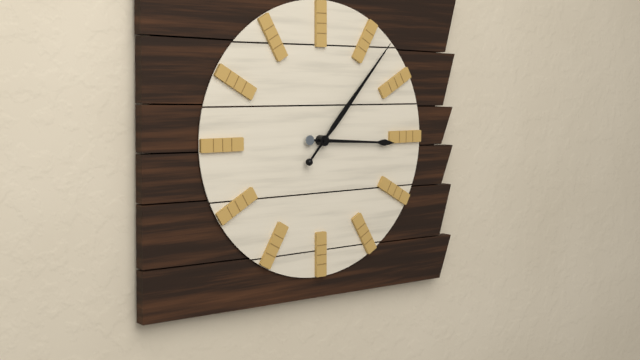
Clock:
h=3 m=7
